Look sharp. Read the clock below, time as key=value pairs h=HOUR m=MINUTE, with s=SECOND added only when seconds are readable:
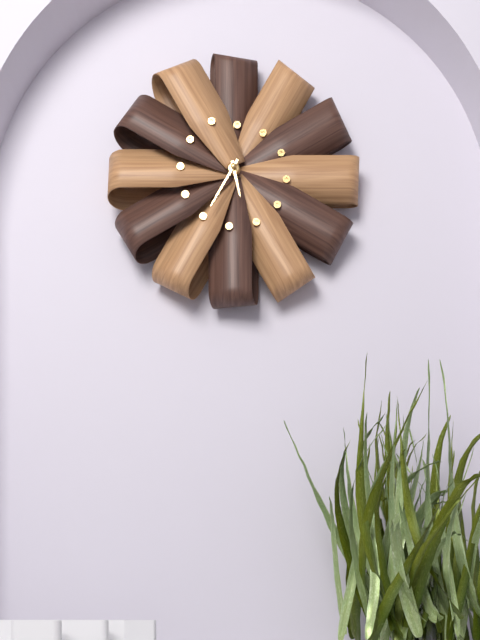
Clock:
h=5 m=35
